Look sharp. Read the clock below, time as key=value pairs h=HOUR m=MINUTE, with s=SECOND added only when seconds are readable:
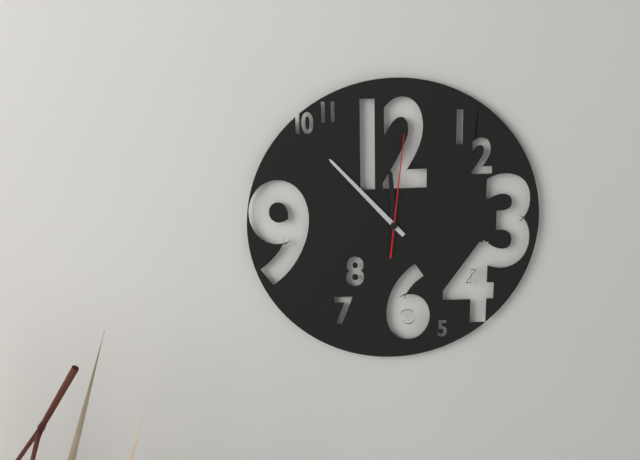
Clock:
h=11 m=53 s=1
